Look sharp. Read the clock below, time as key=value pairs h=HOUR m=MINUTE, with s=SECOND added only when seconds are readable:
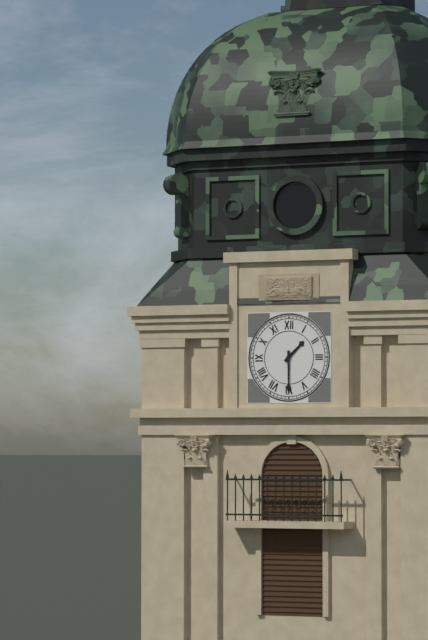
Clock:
h=1 m=30
